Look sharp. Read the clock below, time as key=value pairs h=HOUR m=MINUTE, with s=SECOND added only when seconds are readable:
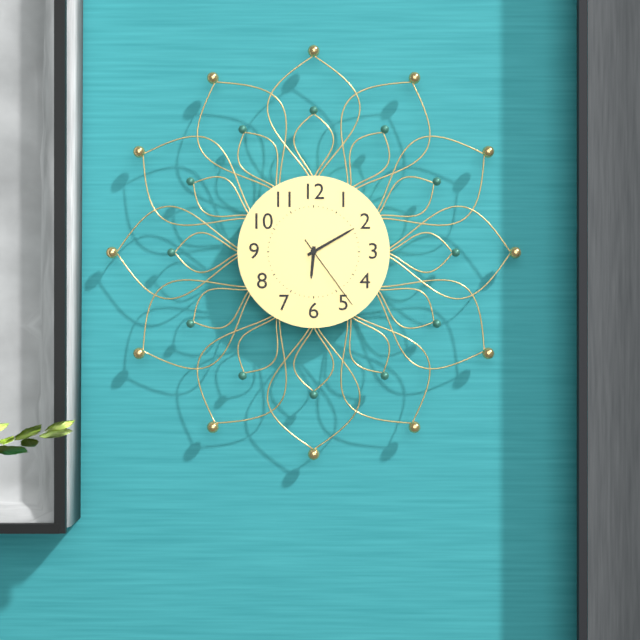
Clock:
h=6 m=10 s=24
